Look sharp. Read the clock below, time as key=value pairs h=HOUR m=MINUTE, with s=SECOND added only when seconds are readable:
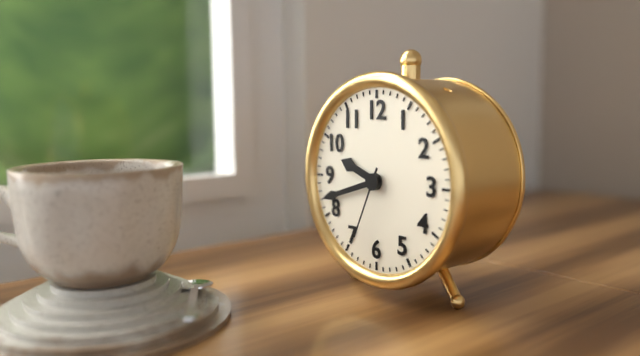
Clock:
h=9 m=42 s=34
